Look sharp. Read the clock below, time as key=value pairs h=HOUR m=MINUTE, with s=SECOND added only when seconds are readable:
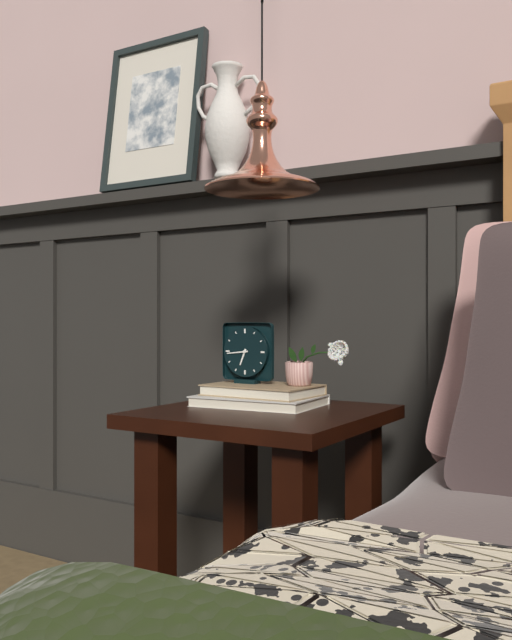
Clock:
h=6 m=44
